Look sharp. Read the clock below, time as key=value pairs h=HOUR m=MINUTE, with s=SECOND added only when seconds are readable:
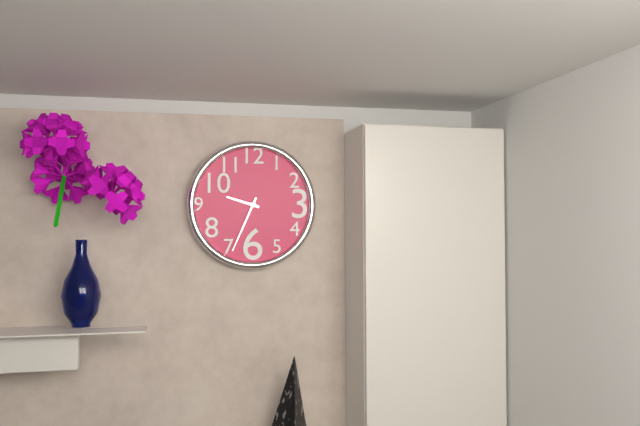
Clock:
h=9 m=34
